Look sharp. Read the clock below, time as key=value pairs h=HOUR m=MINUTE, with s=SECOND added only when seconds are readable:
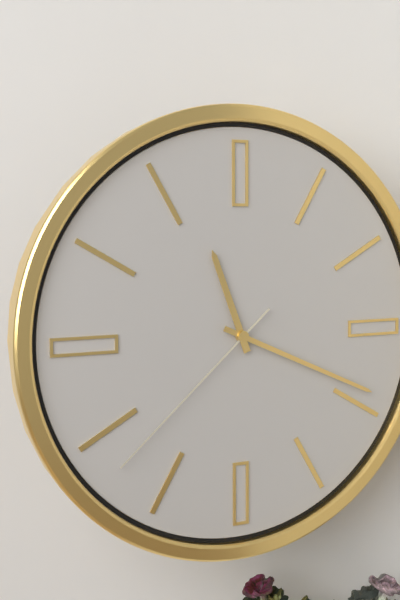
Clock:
h=11 m=19 s=38
